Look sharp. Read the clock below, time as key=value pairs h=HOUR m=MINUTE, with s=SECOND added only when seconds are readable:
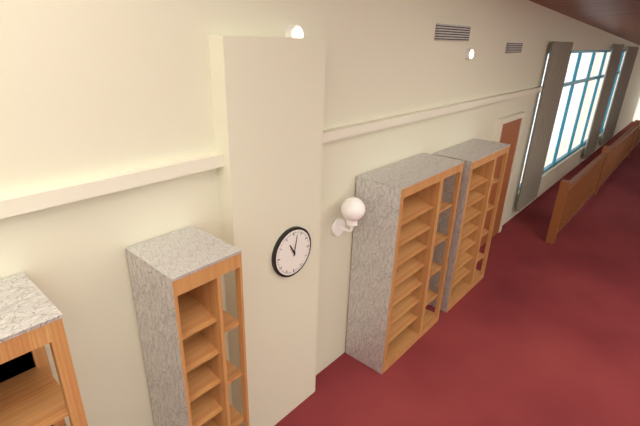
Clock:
h=11 m=2
